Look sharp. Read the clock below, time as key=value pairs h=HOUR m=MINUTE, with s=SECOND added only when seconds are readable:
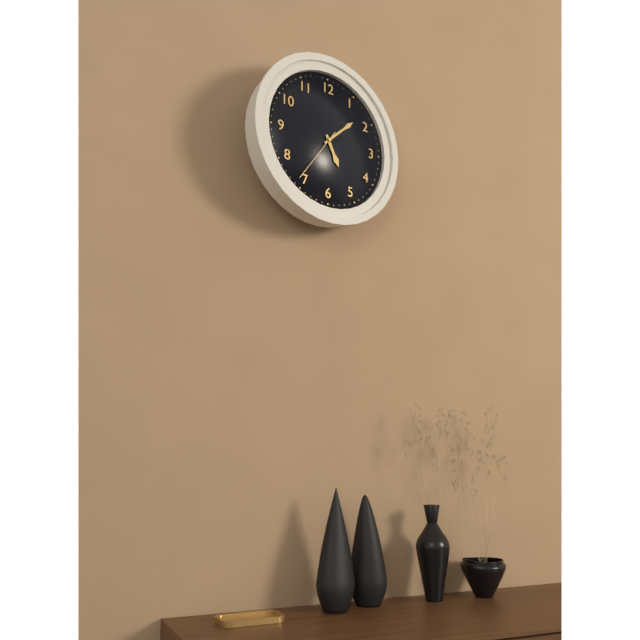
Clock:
h=5 m=8 s=36
